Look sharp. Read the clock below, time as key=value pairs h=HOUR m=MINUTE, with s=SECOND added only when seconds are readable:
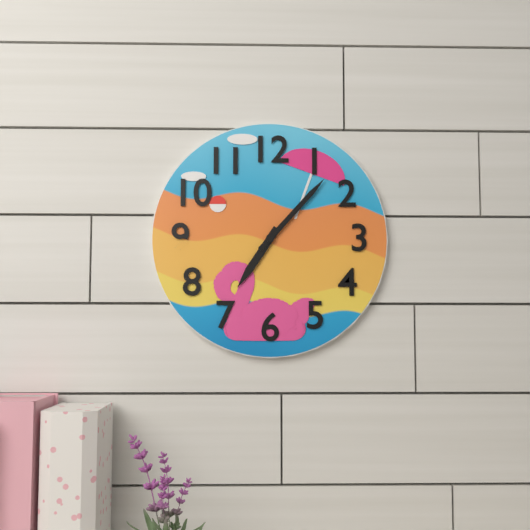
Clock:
h=7 m=7
